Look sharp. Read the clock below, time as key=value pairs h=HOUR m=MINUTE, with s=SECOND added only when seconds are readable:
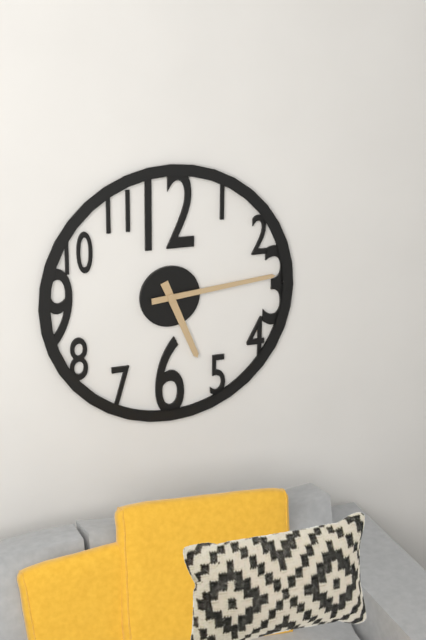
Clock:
h=5 m=14
